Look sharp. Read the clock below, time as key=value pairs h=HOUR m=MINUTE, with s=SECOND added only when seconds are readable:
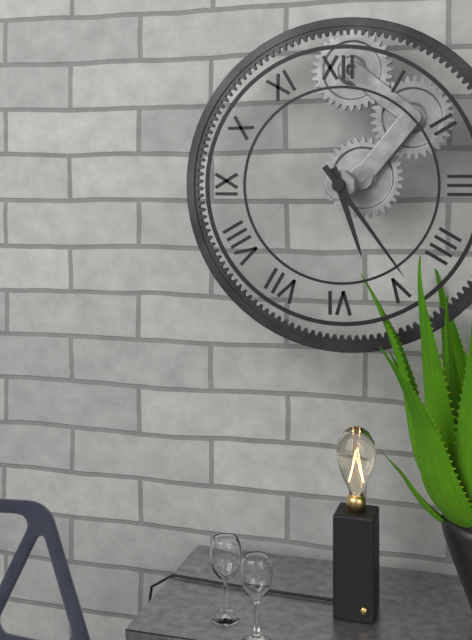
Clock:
h=5 m=24
